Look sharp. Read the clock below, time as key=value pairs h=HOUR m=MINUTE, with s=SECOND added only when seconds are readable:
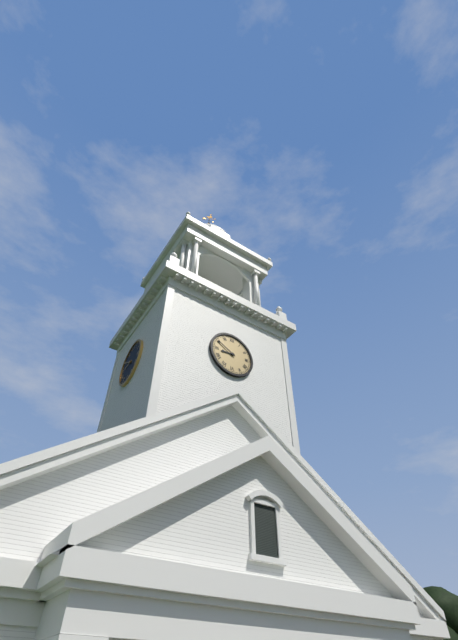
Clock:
h=8 m=50
